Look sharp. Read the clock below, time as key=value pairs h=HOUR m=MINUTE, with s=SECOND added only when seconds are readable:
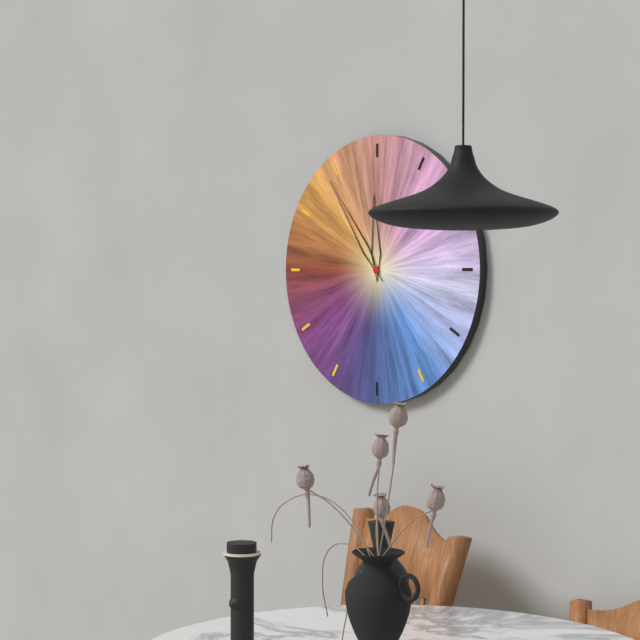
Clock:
h=11 m=54
